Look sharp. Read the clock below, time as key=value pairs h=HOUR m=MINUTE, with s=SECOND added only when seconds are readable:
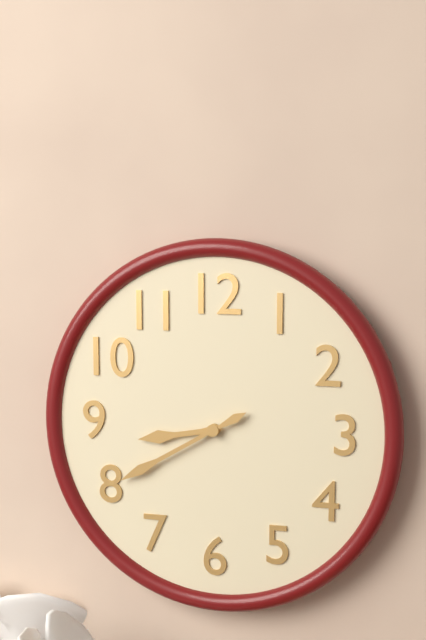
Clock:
h=8 m=40
